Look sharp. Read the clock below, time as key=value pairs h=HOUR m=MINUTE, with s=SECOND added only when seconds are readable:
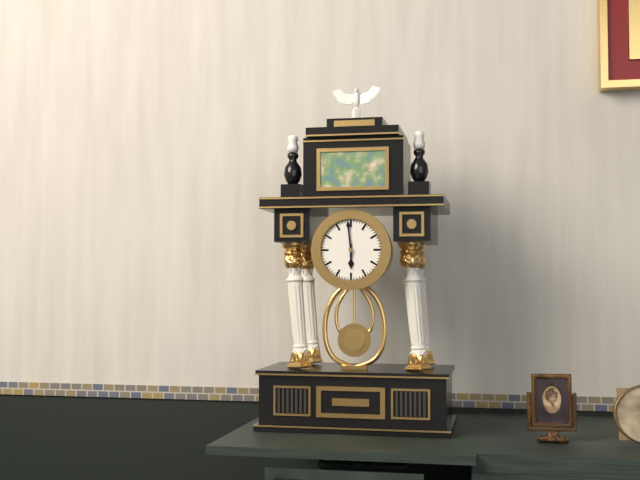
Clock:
h=5 m=59
